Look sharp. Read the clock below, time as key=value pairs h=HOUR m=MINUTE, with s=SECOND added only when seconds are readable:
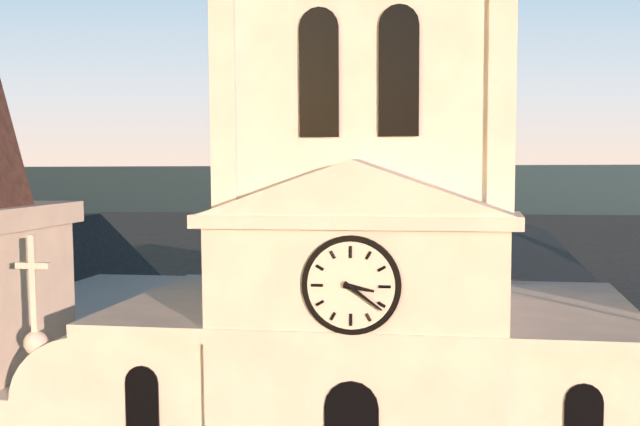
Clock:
h=3 m=21
